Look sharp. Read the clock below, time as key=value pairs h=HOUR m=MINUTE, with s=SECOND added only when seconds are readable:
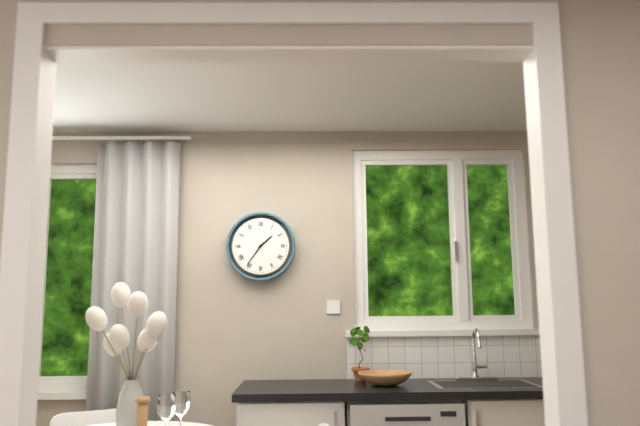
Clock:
h=1 m=36
